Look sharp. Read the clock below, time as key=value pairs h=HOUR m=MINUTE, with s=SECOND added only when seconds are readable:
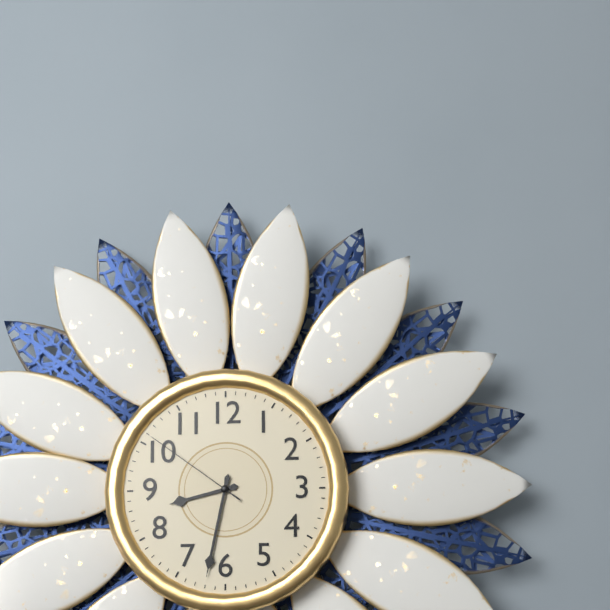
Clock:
h=8 m=32 s=51
